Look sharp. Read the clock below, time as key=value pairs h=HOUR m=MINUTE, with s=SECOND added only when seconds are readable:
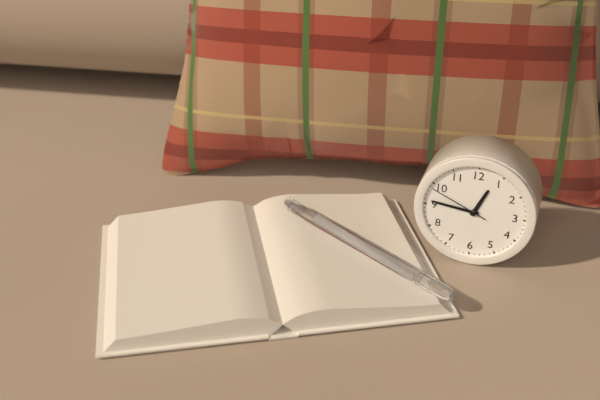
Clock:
h=12 m=46 s=49
